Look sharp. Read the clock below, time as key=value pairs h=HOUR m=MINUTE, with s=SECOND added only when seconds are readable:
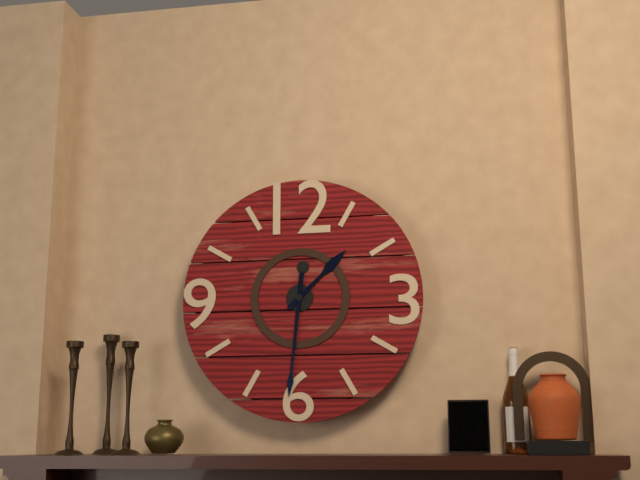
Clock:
h=1 m=31
